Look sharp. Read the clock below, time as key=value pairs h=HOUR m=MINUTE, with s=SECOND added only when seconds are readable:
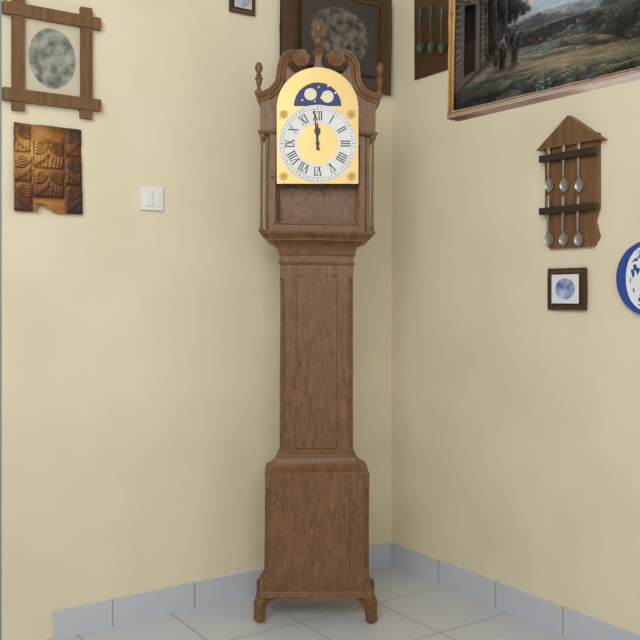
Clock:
h=11 m=59
